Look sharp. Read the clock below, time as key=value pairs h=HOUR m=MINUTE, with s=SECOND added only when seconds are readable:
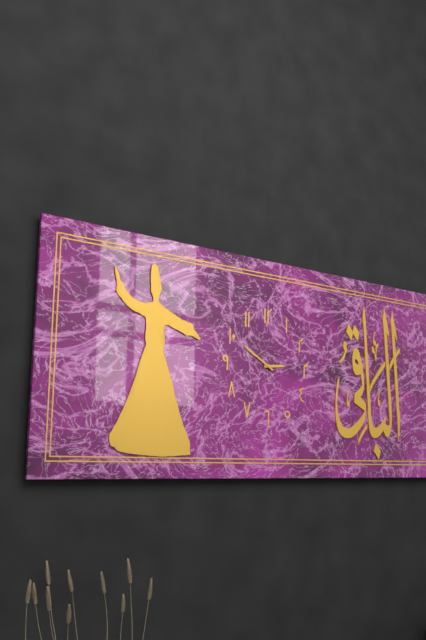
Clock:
h=2 m=50
